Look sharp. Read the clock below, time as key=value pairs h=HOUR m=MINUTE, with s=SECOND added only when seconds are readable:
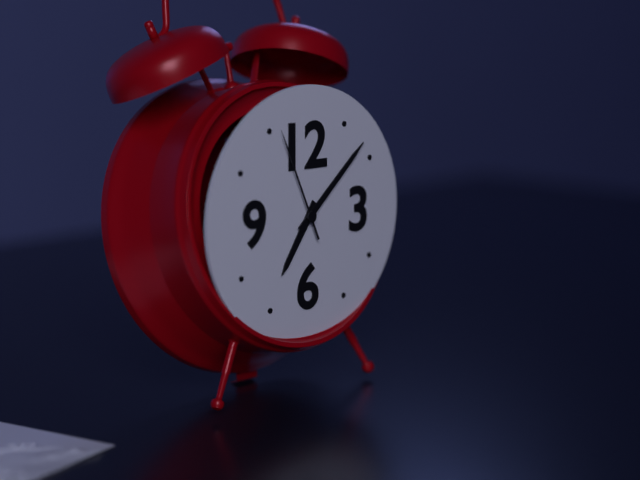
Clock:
h=7 m=8 s=56
